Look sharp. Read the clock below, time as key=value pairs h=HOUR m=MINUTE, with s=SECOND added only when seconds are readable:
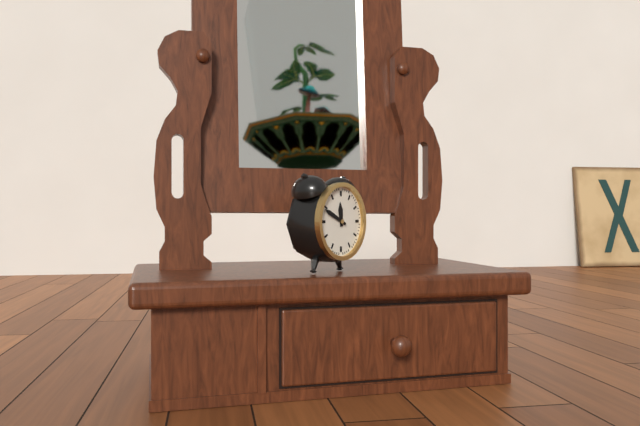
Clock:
h=11 m=49
